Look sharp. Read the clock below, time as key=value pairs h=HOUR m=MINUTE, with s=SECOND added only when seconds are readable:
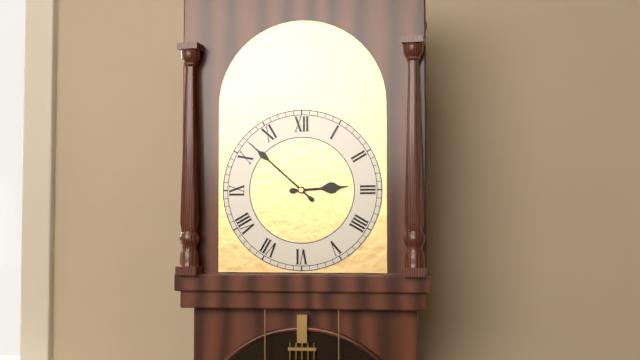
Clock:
h=2 m=52
